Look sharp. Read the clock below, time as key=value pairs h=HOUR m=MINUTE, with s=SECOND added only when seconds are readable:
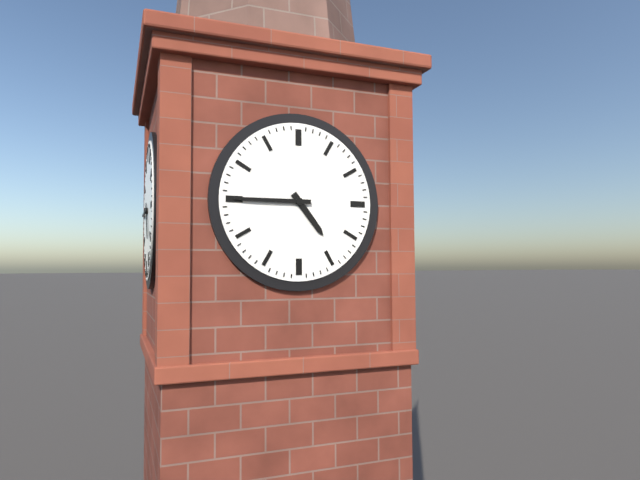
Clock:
h=4 m=45
